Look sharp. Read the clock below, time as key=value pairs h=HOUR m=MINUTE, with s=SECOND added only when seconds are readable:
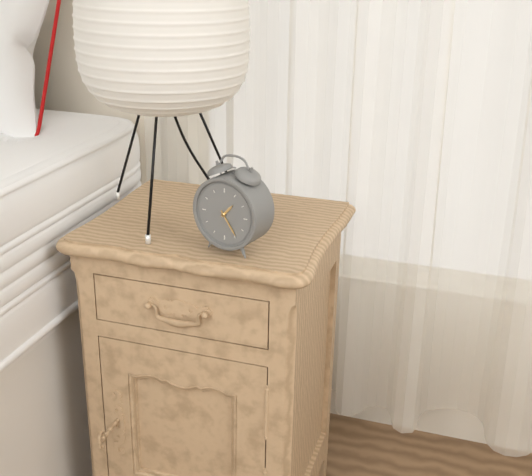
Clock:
h=1 m=24
